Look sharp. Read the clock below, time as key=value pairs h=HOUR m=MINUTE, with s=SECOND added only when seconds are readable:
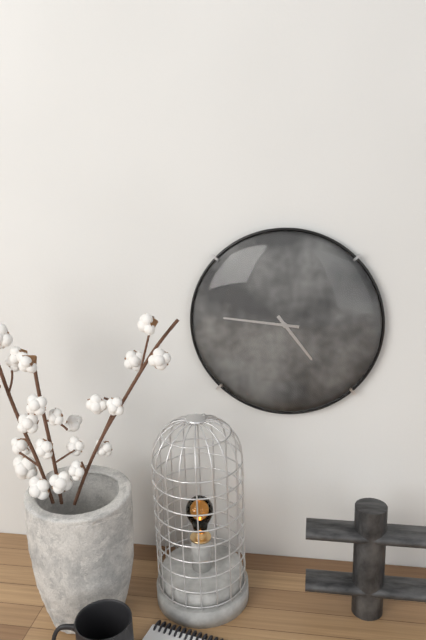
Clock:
h=4 m=46
